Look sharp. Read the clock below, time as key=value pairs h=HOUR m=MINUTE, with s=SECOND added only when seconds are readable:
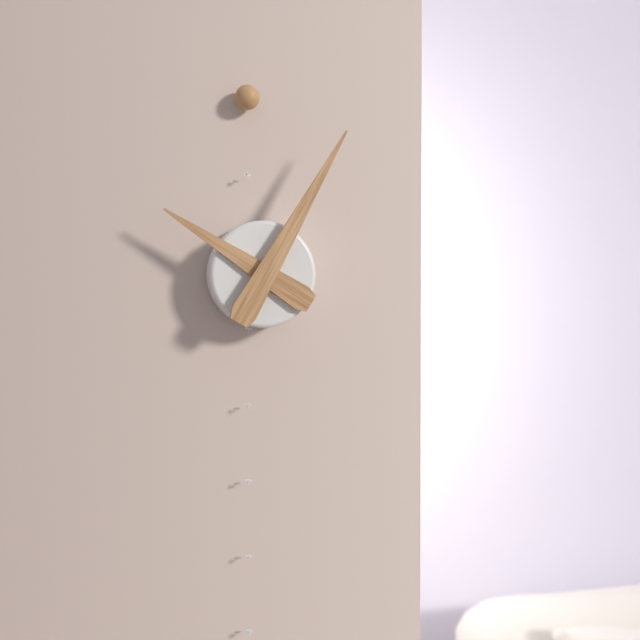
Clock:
h=10 m=5
